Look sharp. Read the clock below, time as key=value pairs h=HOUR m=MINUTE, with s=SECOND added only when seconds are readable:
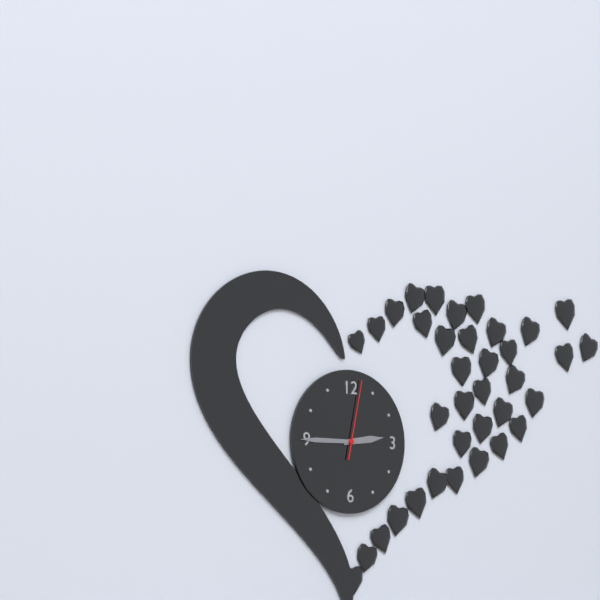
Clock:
h=2 m=45 s=2
